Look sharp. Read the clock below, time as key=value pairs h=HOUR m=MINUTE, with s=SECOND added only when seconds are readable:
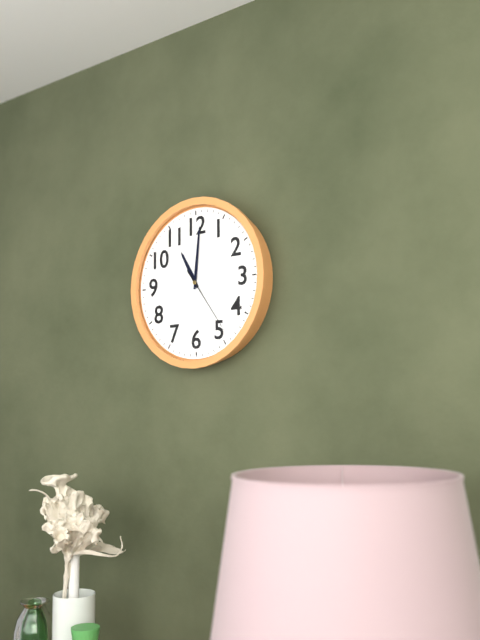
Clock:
h=11 m=1 s=24
